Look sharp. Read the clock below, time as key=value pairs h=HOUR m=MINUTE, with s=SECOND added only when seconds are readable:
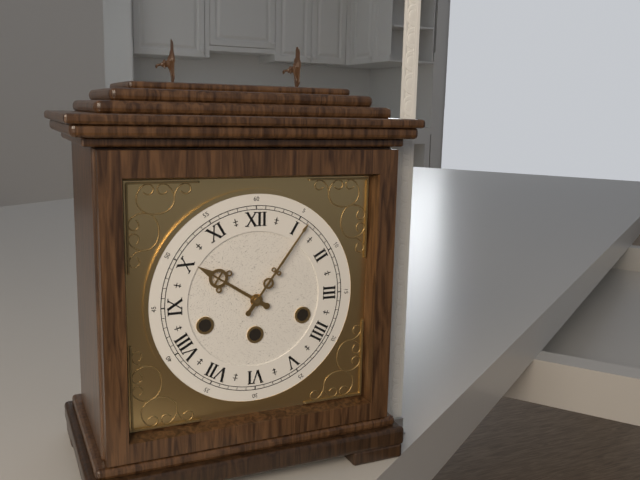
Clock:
h=10 m=6
